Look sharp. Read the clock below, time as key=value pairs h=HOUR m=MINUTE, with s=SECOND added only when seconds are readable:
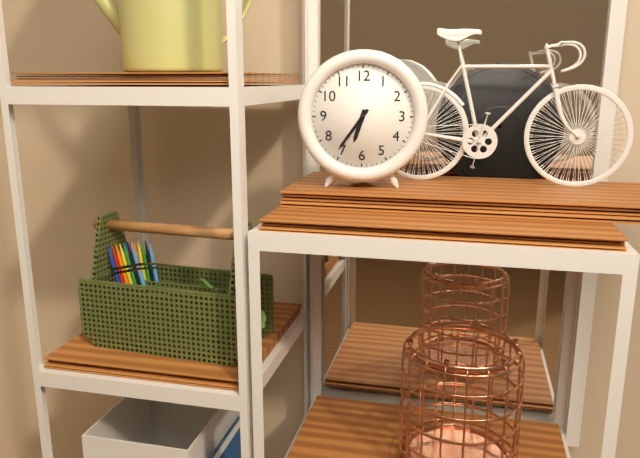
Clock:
h=6 m=36
